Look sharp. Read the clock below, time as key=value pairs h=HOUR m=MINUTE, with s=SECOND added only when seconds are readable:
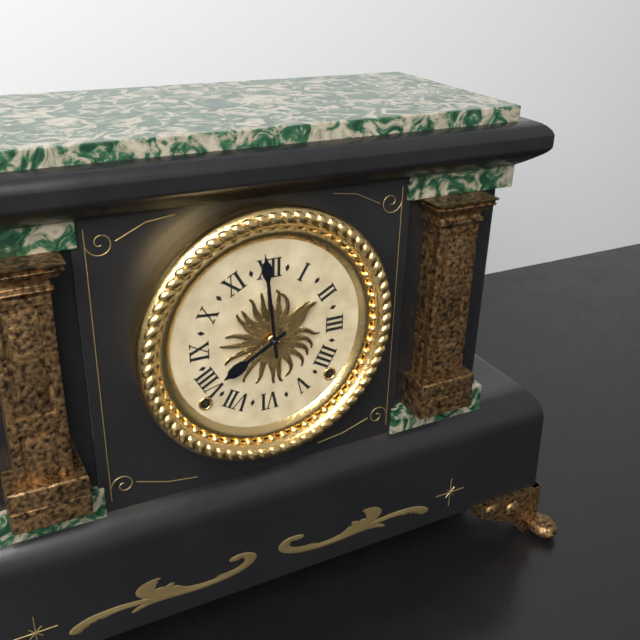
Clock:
h=7 m=59
